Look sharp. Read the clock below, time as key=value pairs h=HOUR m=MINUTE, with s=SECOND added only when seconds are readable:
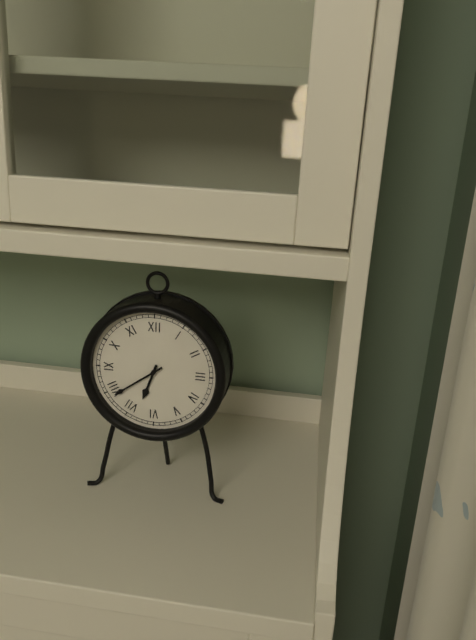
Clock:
h=6 m=39
